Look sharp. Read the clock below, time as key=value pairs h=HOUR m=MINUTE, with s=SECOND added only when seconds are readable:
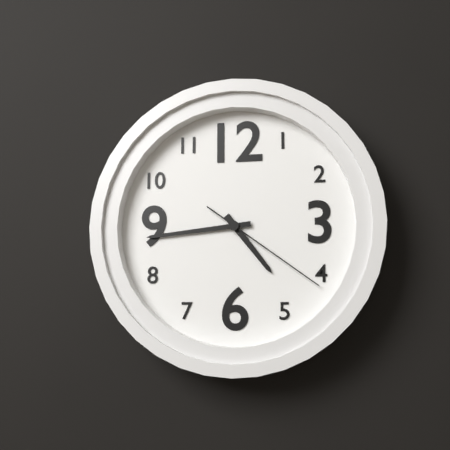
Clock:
h=4 m=44 s=21
